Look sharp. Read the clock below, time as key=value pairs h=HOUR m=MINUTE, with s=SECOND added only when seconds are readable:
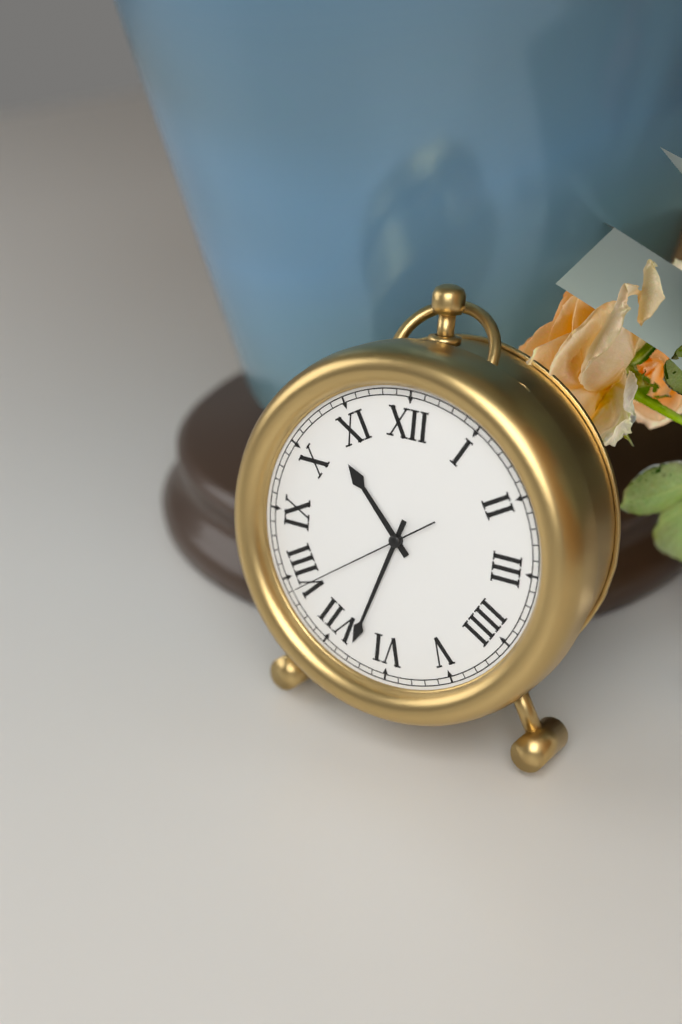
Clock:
h=10 m=33 s=39
